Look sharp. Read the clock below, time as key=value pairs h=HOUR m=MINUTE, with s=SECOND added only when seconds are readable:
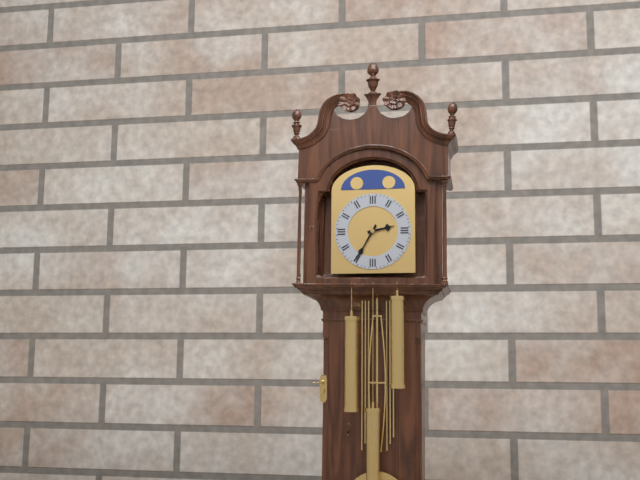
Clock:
h=2 m=35
